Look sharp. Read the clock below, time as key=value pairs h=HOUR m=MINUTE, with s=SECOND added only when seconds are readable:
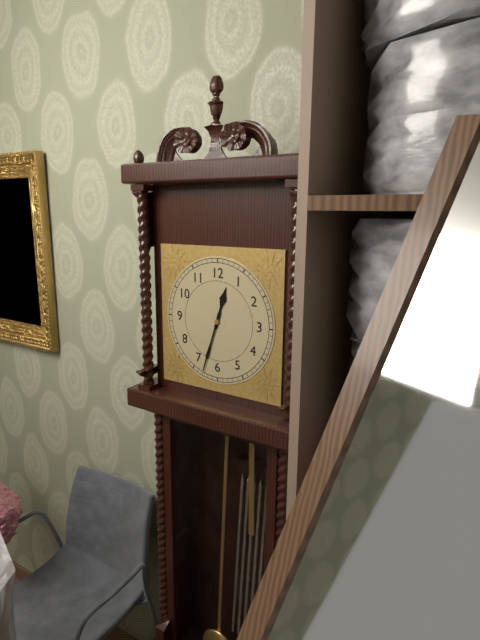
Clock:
h=12 m=33
